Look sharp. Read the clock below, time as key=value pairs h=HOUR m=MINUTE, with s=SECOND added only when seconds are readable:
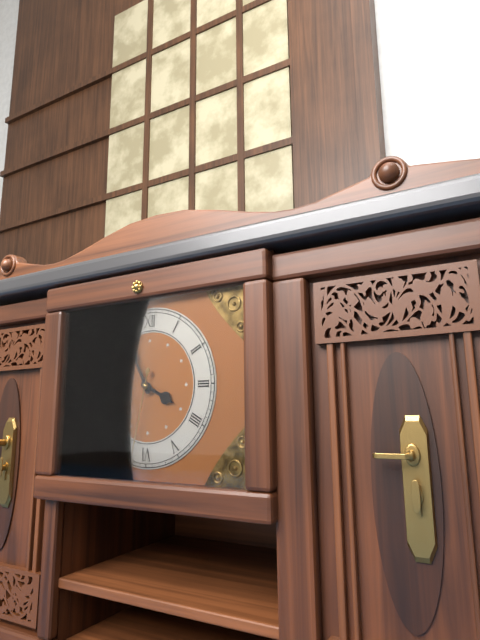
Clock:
h=3 m=55 s=32
